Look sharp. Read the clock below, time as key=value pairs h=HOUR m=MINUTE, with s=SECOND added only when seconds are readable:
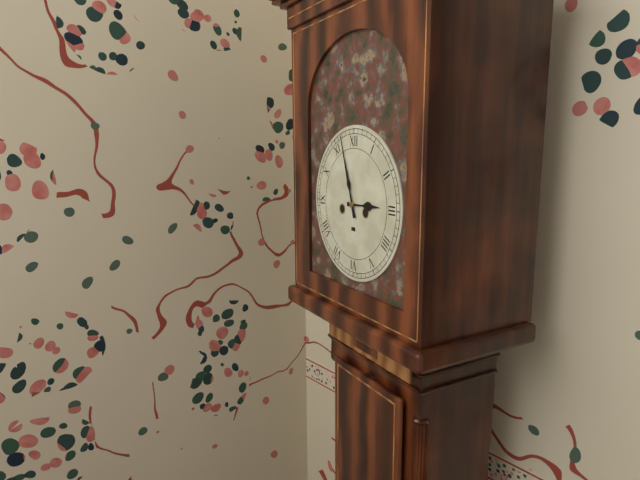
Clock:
h=2 m=57
